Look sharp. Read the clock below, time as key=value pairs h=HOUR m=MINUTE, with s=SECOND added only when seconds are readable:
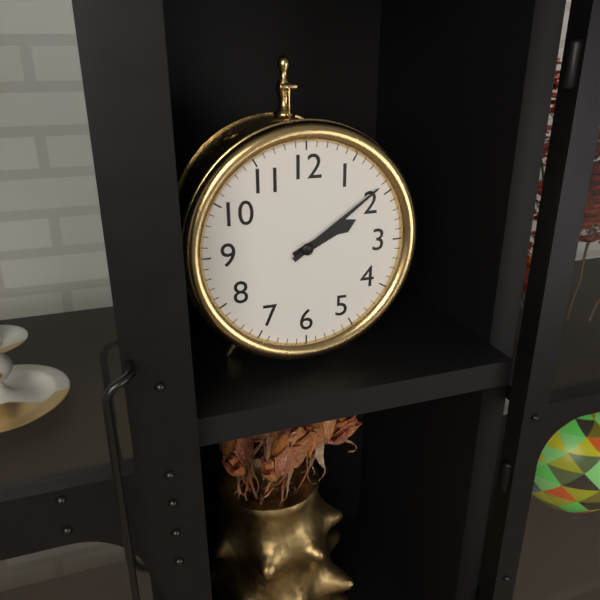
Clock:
h=2 m=9
